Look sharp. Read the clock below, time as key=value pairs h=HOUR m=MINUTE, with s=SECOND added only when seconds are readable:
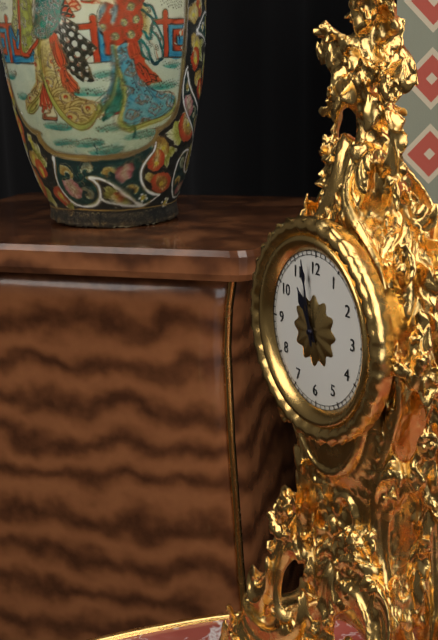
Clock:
h=10 m=58
